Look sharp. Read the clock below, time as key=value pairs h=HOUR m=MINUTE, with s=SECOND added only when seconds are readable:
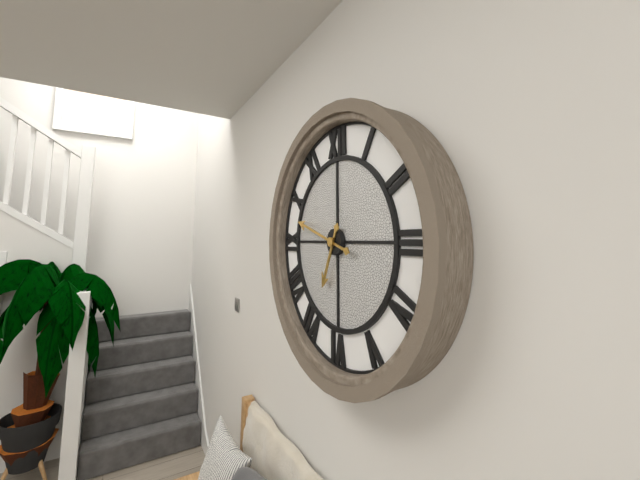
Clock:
h=6 m=48
